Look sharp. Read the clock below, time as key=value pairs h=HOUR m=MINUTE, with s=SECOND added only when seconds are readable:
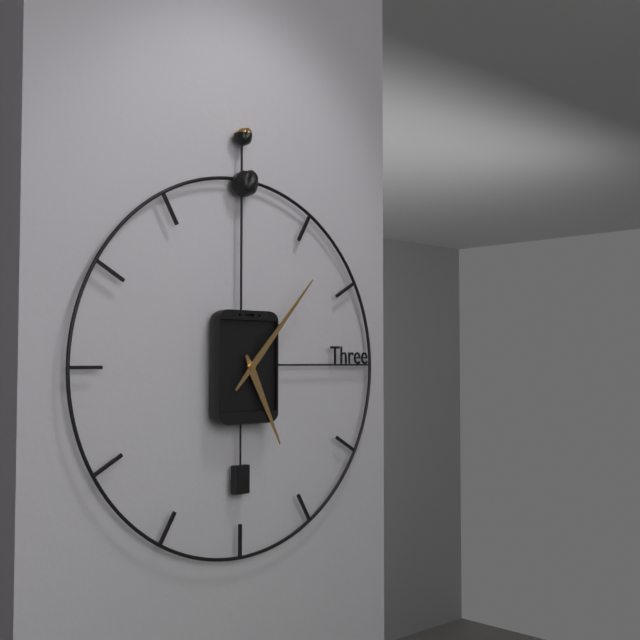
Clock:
h=5 m=7
